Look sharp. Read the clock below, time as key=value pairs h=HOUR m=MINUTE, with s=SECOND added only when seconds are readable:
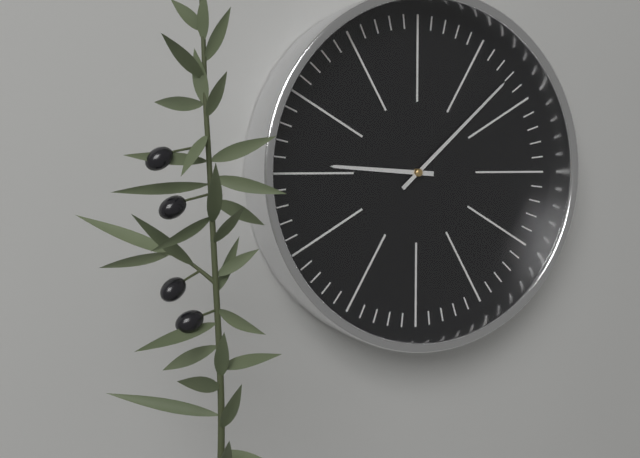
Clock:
h=9 m=8
